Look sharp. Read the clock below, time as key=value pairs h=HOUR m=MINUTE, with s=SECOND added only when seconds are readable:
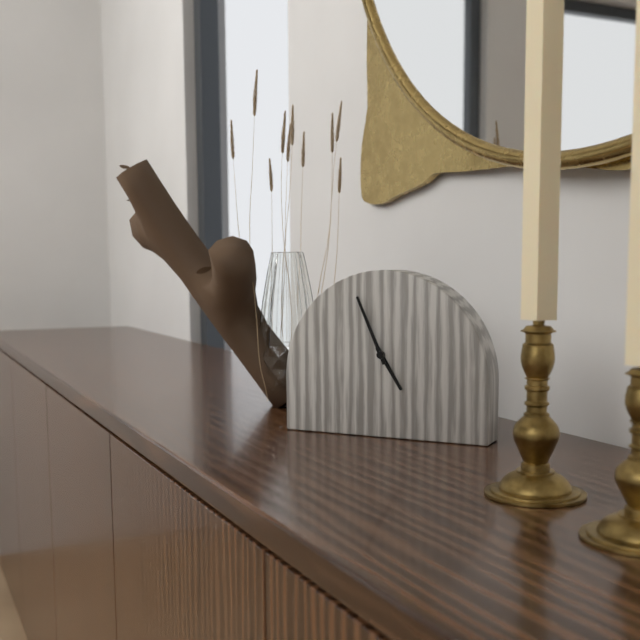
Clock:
h=4 m=56
